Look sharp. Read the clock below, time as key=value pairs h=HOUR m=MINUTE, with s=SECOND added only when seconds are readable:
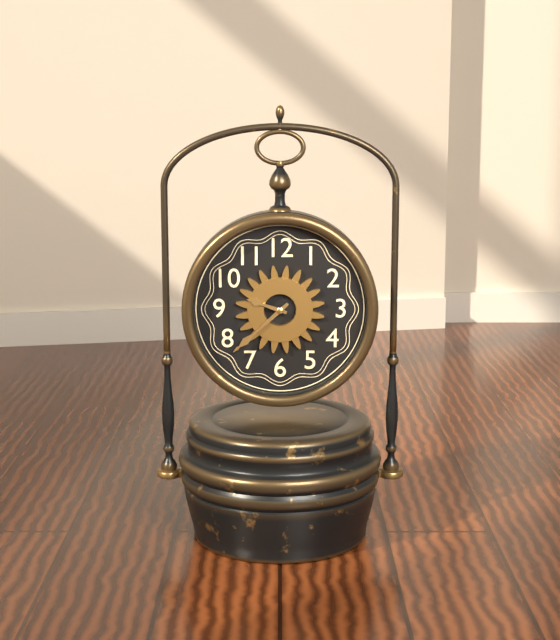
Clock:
h=9 m=38
